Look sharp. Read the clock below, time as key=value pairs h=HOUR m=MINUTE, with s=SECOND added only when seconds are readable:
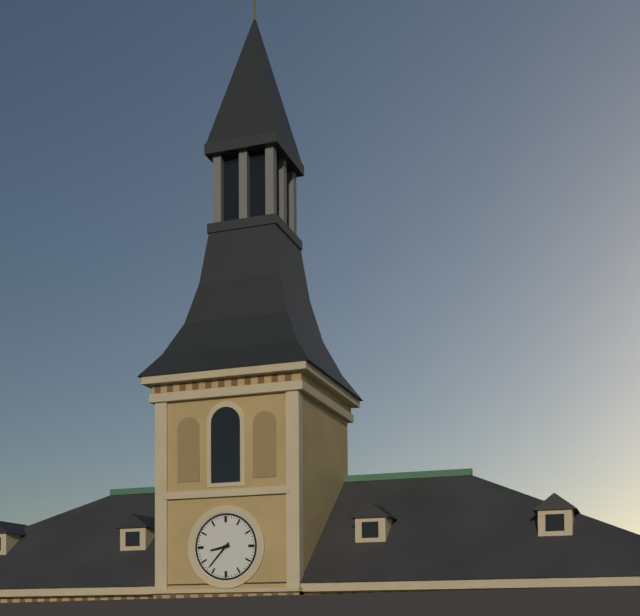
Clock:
h=8 m=37
